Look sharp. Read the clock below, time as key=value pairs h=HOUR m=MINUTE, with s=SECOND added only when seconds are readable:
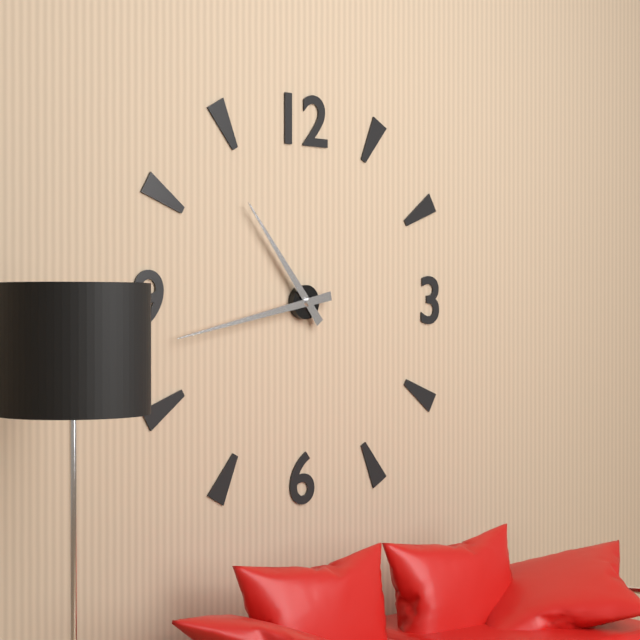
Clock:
h=10 m=43
